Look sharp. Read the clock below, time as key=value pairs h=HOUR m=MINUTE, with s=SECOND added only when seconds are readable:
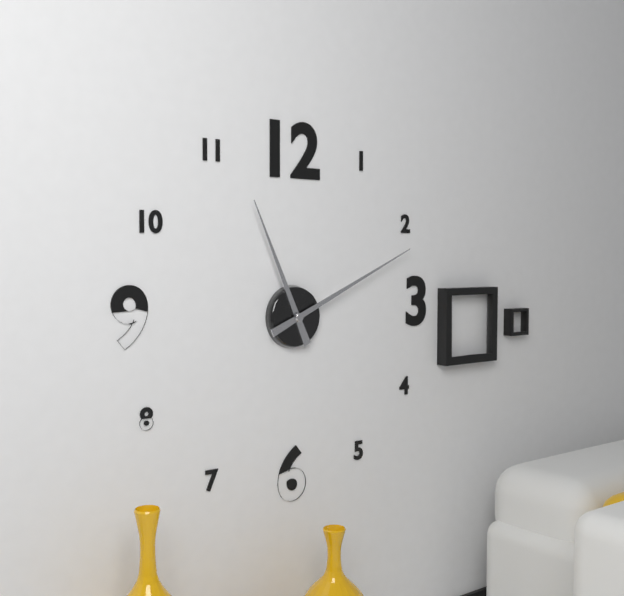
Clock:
h=11 m=11
